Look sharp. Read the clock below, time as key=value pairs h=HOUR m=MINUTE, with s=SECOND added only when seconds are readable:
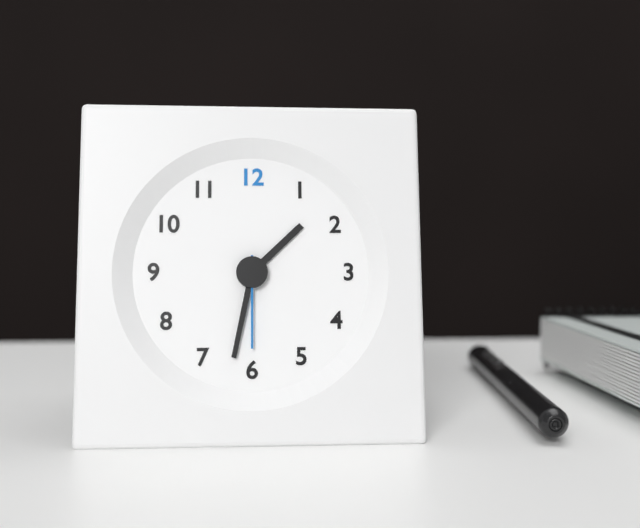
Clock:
h=1 m=32 s=30
